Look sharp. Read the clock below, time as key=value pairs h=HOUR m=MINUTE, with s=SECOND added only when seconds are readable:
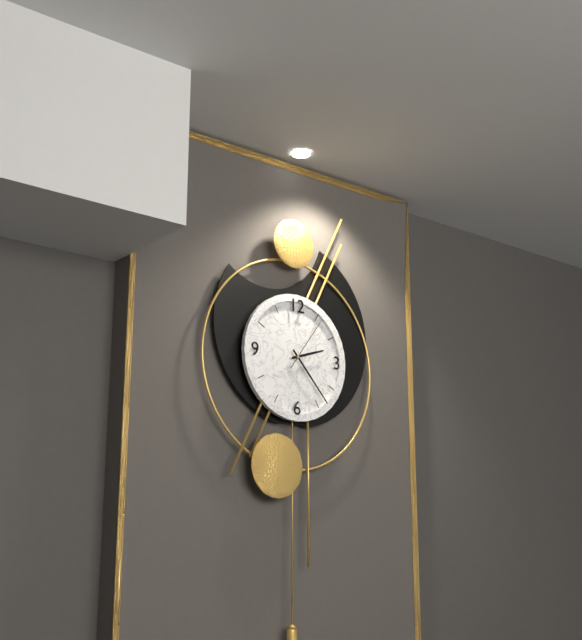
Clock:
h=2 m=23 s=6
